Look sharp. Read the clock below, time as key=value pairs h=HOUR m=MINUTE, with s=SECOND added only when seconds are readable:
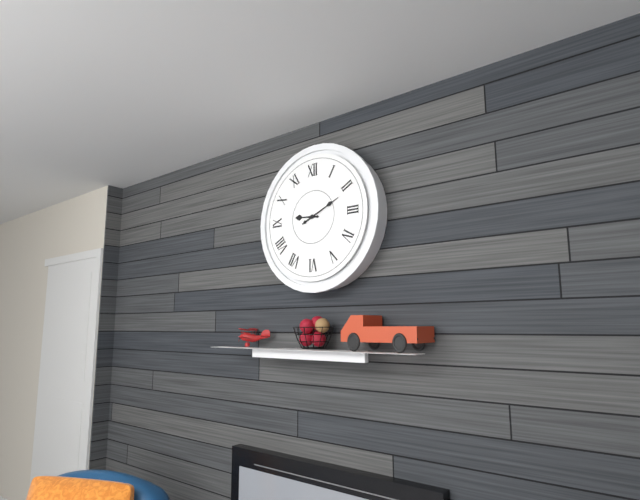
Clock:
h=9 m=11
